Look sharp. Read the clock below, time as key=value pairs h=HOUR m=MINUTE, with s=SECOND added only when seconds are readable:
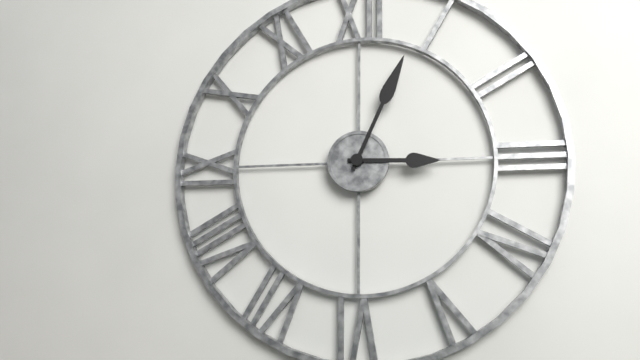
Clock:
h=3 m=4
